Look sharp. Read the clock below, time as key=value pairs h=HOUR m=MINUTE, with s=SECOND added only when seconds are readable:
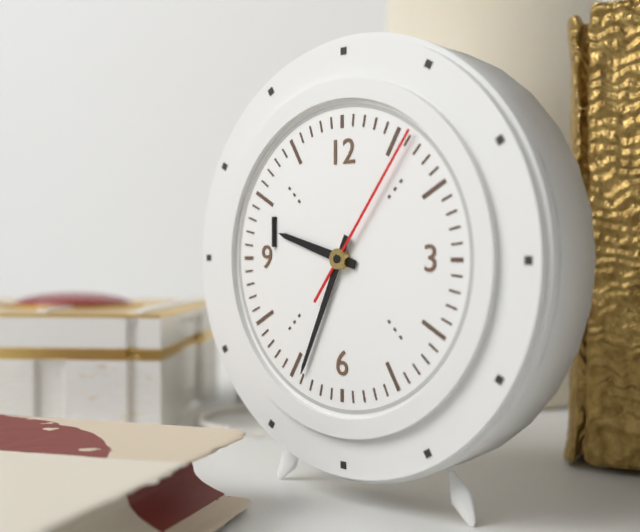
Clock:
h=9 m=34 s=6
